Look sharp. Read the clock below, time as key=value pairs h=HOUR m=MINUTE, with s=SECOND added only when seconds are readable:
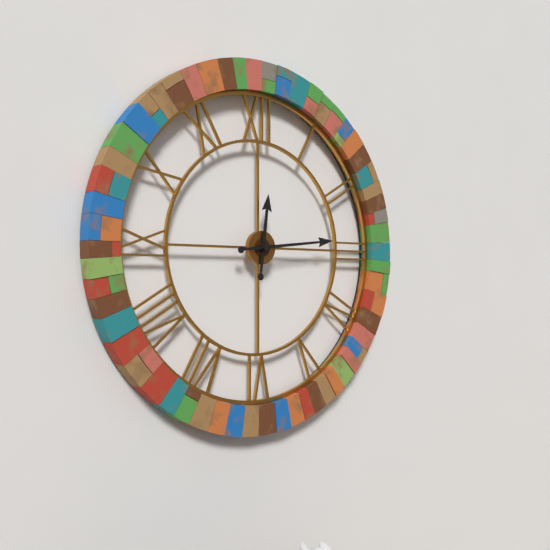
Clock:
h=12 m=14
